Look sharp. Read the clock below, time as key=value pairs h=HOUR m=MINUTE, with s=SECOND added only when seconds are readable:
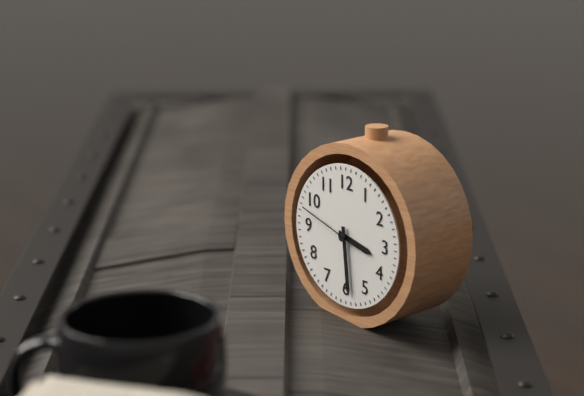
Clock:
h=3 m=29 s=48
